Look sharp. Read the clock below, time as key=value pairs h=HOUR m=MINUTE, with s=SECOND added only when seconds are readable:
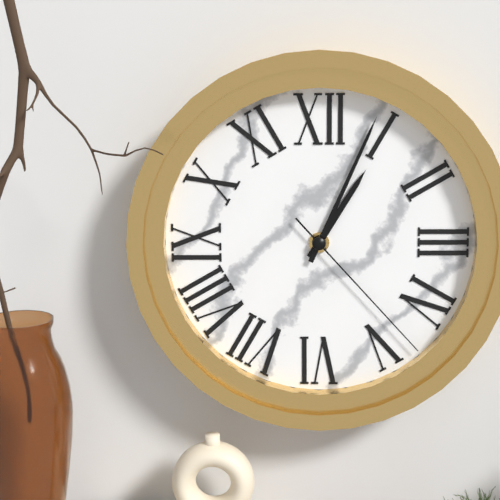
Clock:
h=1 m=4 s=23
